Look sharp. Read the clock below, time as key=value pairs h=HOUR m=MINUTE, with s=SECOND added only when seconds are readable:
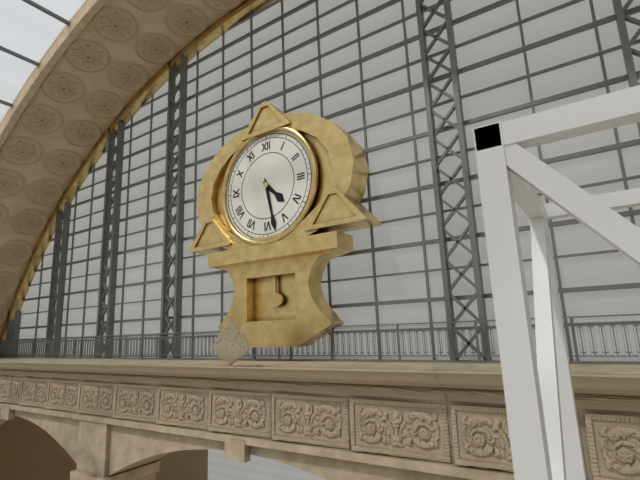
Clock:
h=4 m=28
